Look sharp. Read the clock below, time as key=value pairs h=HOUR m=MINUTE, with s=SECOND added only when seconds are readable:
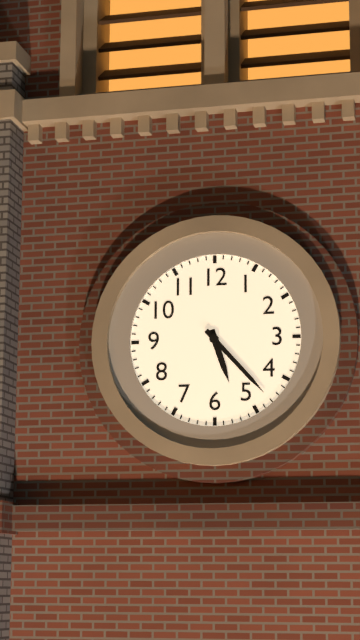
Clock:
h=5 m=23
